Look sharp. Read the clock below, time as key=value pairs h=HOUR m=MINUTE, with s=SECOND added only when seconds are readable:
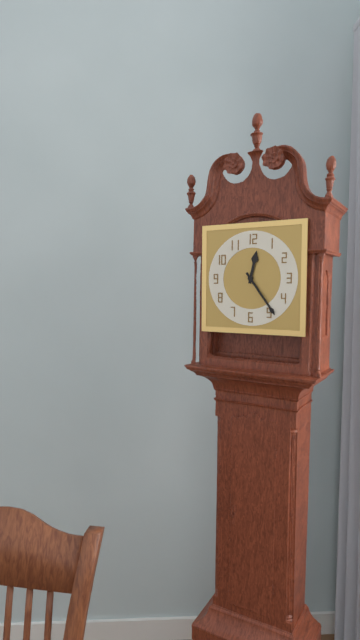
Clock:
h=12 m=24
